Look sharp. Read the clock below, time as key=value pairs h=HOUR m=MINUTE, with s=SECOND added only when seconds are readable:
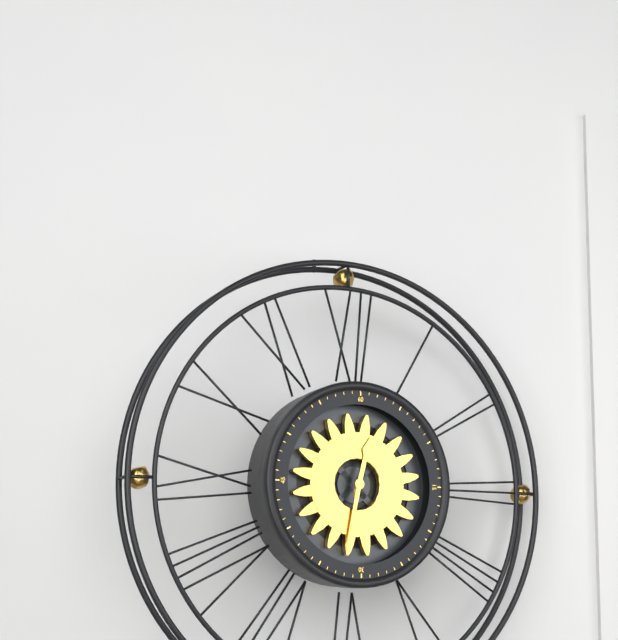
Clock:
h=12 m=32
